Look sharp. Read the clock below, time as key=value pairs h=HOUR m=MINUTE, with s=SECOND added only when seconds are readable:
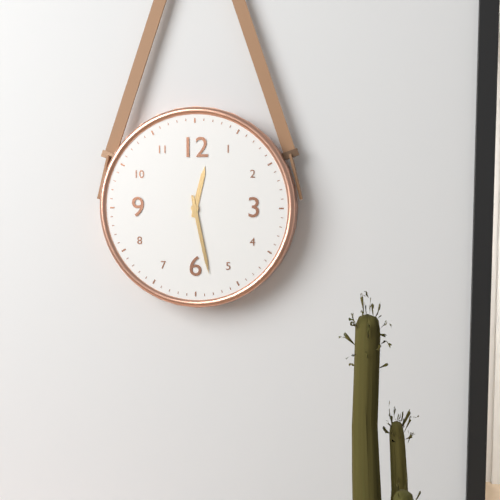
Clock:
h=12 m=28
